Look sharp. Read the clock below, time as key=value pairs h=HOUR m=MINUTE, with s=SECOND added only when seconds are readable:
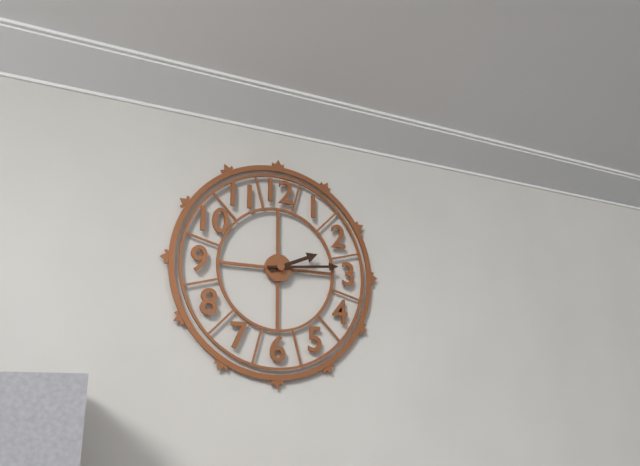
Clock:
h=2 m=14
